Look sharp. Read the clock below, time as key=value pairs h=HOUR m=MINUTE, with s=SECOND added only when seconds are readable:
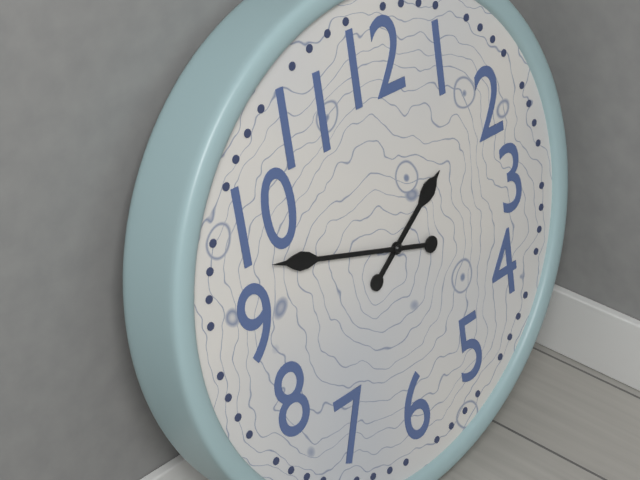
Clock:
h=1 m=48
